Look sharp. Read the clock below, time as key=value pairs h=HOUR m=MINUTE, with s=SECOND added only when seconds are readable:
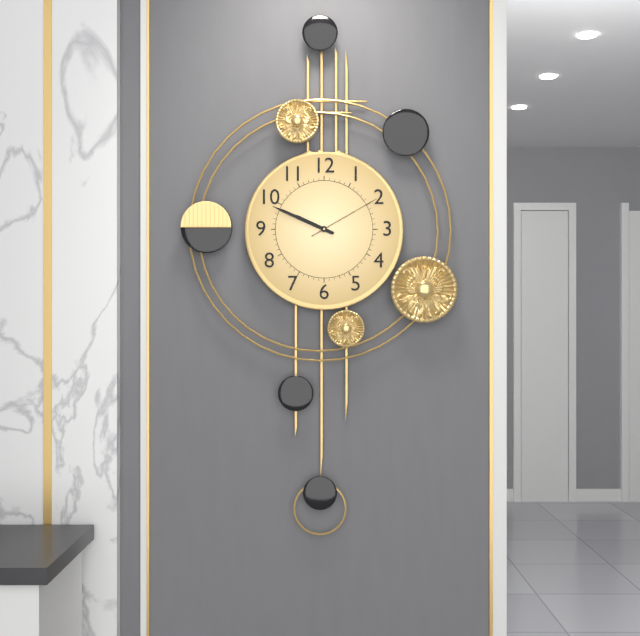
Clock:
h=9 m=49 s=10
